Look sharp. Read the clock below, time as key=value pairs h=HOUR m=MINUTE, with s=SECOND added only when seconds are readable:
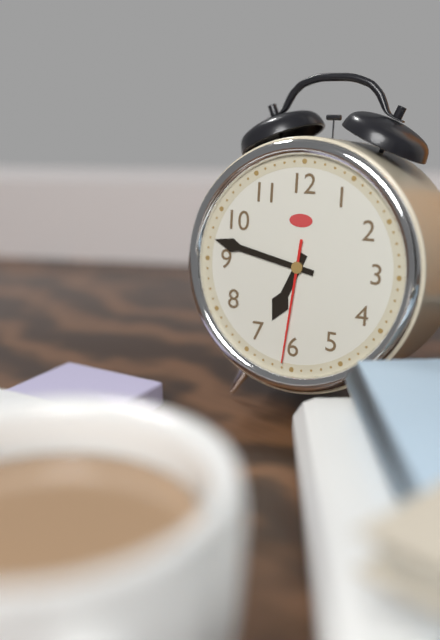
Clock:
h=6 m=47 s=31
